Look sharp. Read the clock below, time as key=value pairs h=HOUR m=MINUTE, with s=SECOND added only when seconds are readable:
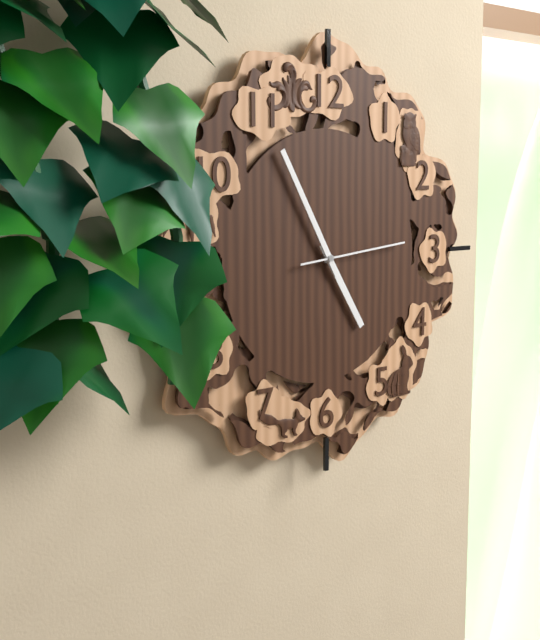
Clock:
h=4 m=55 s=14
